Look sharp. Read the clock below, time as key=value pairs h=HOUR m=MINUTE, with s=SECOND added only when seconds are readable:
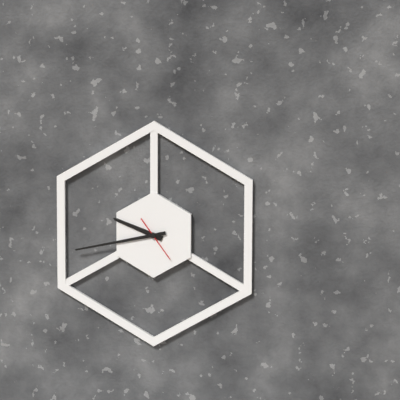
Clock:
h=9 m=43
